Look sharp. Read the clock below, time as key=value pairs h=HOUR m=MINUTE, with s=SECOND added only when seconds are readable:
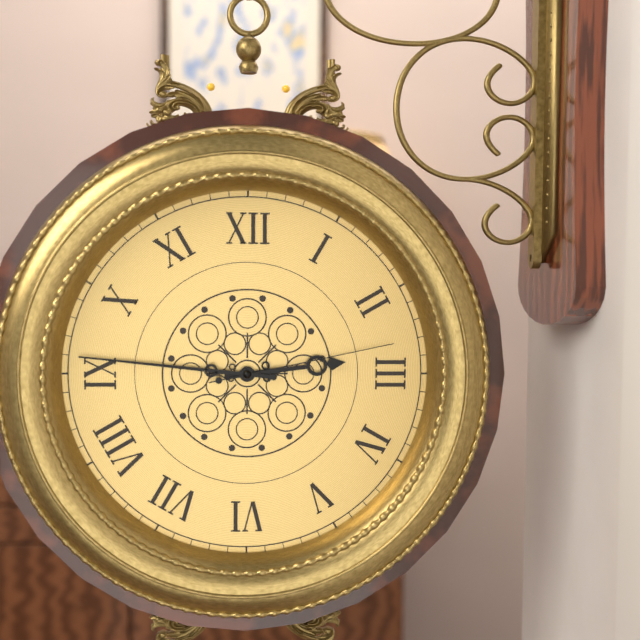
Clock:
h=2 m=46 s=13
